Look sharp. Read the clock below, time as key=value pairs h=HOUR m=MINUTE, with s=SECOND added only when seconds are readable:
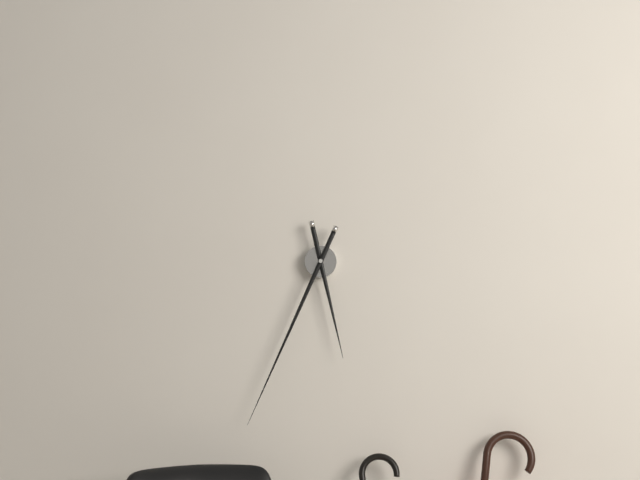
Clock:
h=5 m=34
